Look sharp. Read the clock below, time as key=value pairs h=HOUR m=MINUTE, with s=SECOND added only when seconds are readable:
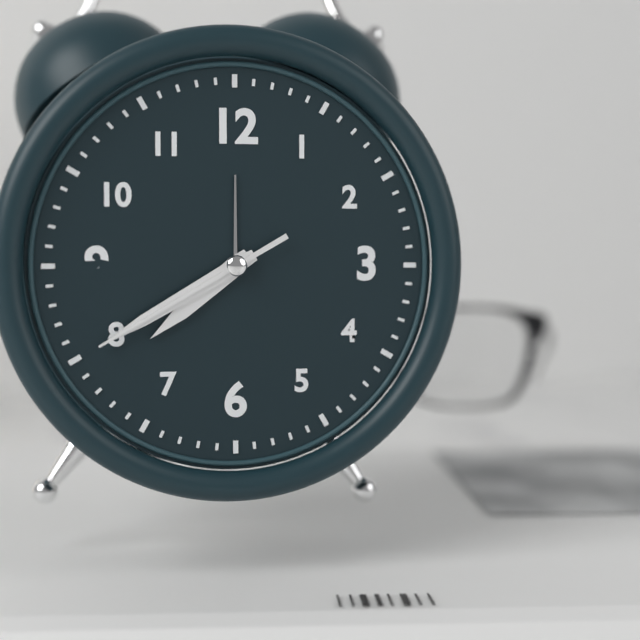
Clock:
h=7 m=40 s=40
